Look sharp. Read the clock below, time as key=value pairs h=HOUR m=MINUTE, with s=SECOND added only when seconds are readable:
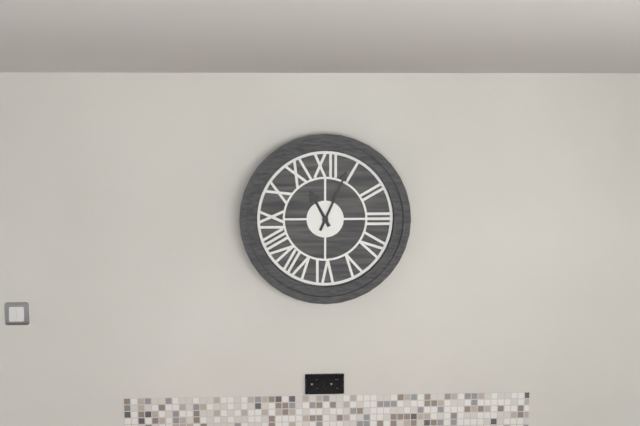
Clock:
h=11 m=4
